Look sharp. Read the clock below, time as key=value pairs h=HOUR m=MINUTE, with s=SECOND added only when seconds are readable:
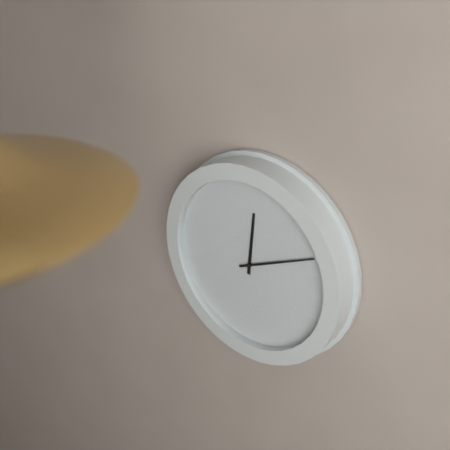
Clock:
h=12 m=11
